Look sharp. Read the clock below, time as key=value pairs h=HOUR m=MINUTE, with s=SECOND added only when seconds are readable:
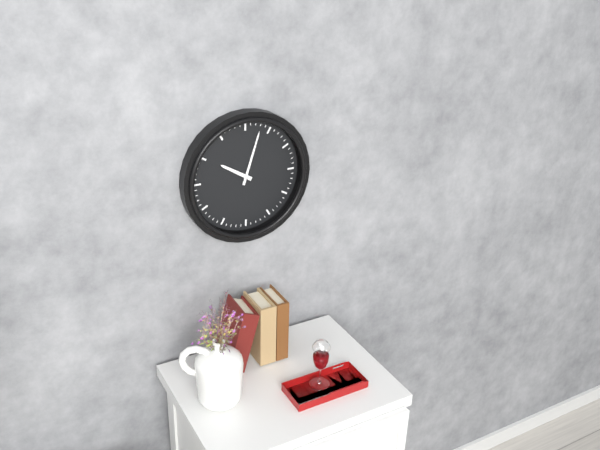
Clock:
h=10 m=3
